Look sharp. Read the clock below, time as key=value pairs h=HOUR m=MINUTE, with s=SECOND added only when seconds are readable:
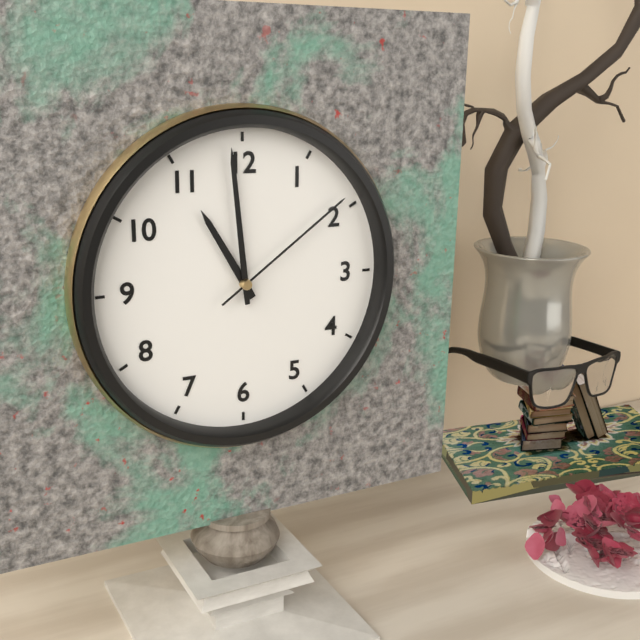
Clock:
h=10 m=59 s=9
